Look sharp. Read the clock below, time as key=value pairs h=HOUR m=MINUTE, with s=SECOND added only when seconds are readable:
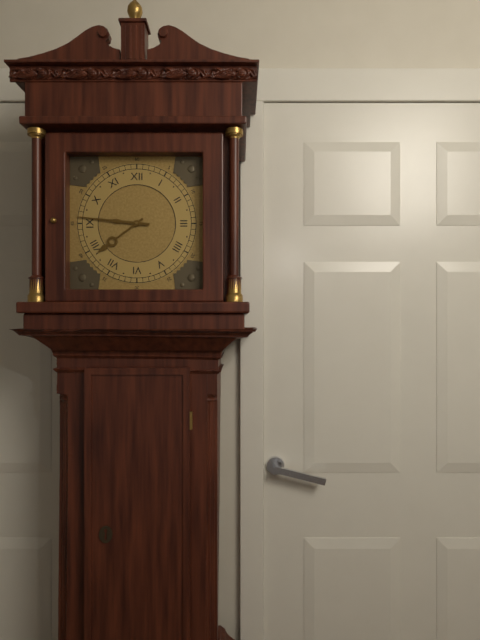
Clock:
h=7 m=46
